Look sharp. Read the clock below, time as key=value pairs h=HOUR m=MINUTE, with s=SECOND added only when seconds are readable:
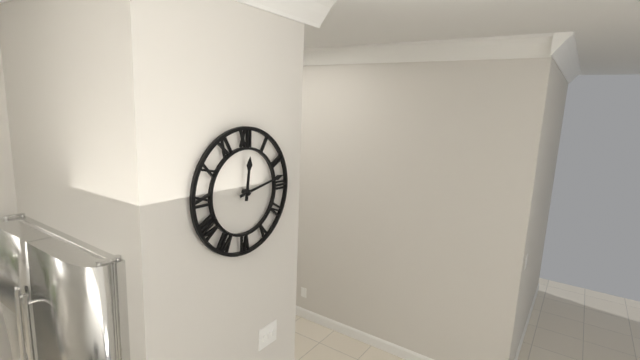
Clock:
h=12 m=13
